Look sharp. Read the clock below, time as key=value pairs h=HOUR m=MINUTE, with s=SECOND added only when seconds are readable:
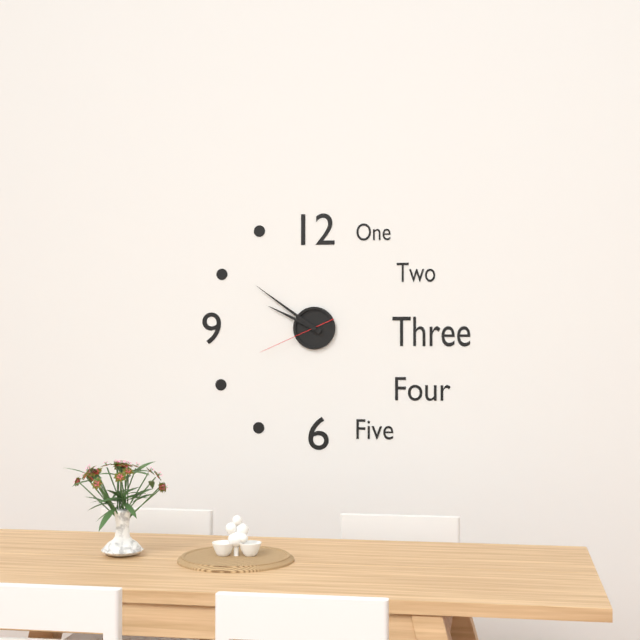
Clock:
h=9 m=51 s=41
